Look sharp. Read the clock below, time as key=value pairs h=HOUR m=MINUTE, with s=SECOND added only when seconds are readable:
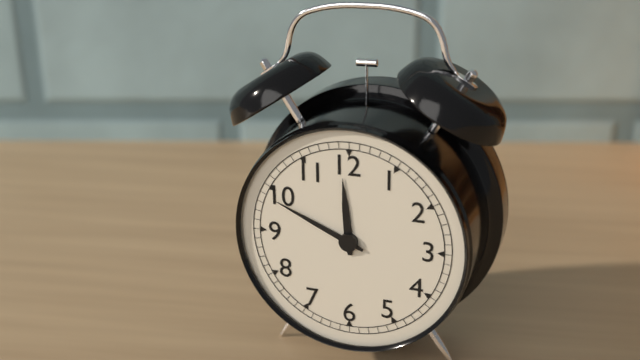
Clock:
h=11 m=49
